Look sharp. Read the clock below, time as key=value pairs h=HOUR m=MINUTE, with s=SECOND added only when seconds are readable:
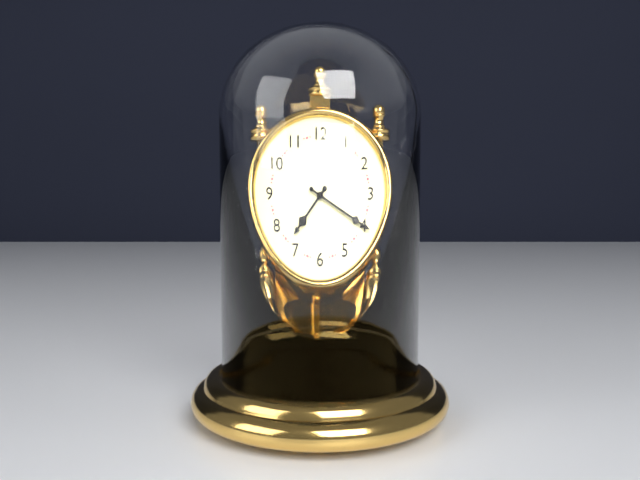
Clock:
h=7 m=20
